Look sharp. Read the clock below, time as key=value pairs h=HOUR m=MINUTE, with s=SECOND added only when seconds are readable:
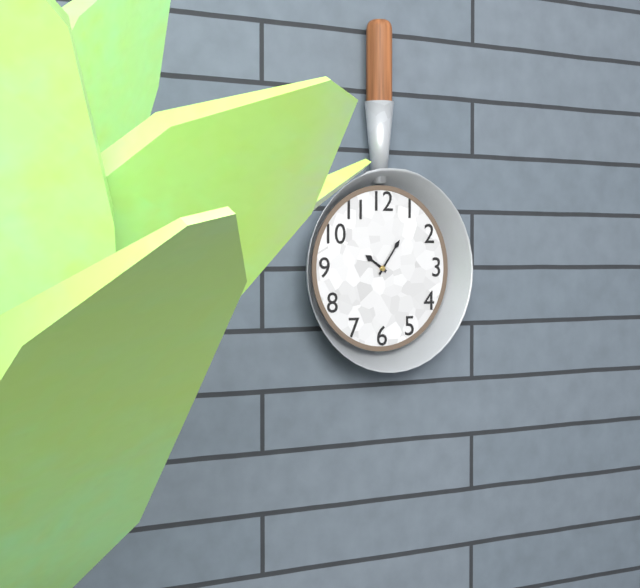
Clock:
h=10 m=6
